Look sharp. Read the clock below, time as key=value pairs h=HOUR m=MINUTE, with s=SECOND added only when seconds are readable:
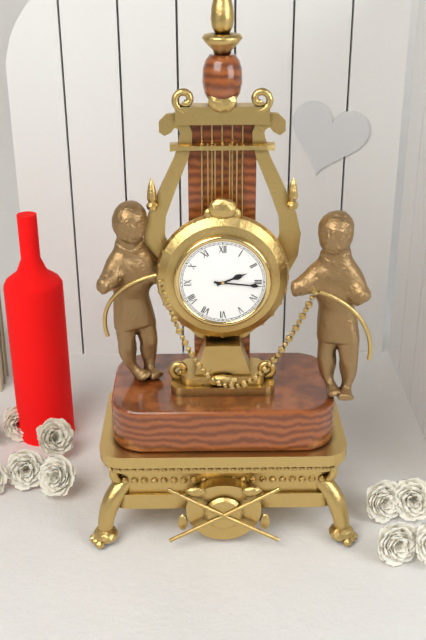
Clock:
h=2 m=16
